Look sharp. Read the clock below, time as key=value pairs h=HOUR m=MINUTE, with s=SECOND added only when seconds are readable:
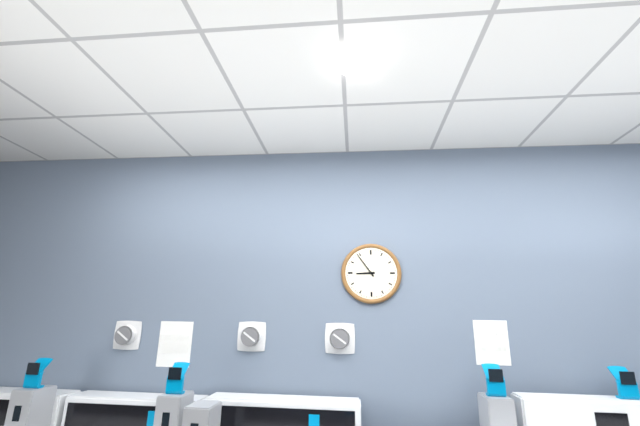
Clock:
h=8 m=54
